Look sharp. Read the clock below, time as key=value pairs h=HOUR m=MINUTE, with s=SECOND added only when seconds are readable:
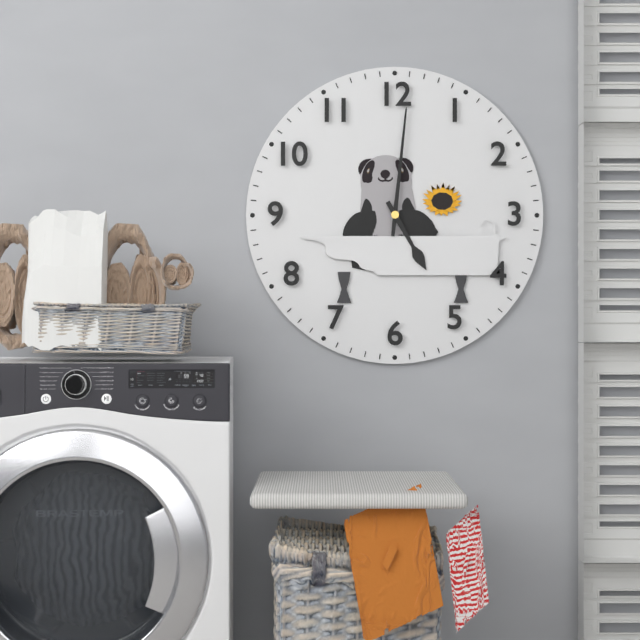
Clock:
h=5 m=1
